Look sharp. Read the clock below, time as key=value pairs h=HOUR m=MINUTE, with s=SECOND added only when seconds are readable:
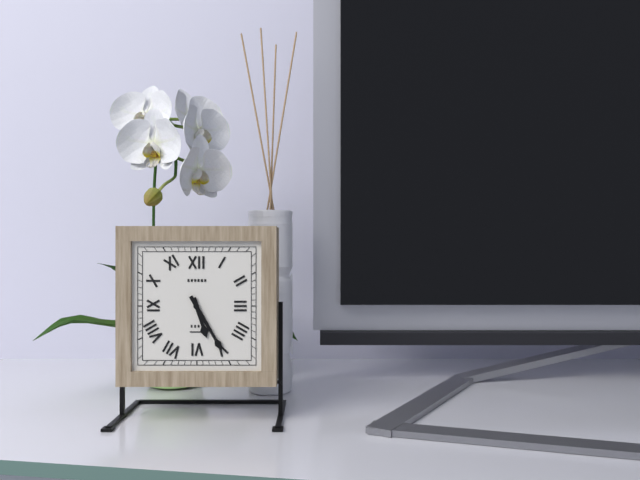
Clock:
h=5 m=25
